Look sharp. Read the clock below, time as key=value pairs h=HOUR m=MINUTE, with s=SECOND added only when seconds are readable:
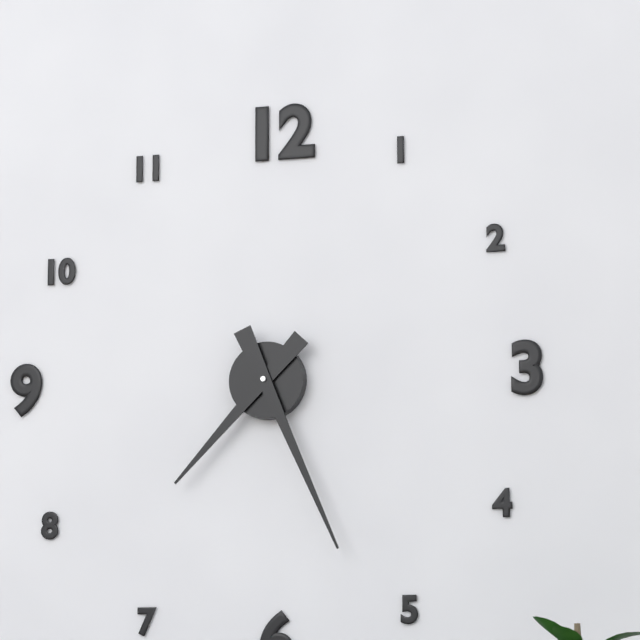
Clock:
h=7 m=26
